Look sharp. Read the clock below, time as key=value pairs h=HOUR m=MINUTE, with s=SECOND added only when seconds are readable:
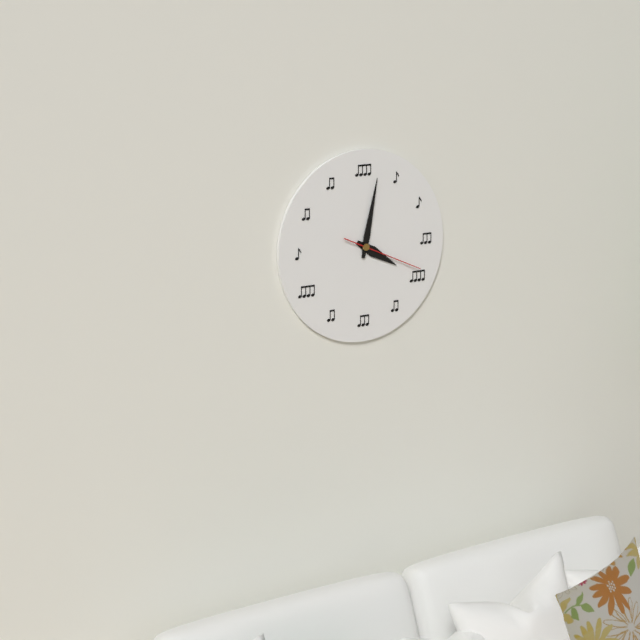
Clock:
h=4 m=2 s=19
